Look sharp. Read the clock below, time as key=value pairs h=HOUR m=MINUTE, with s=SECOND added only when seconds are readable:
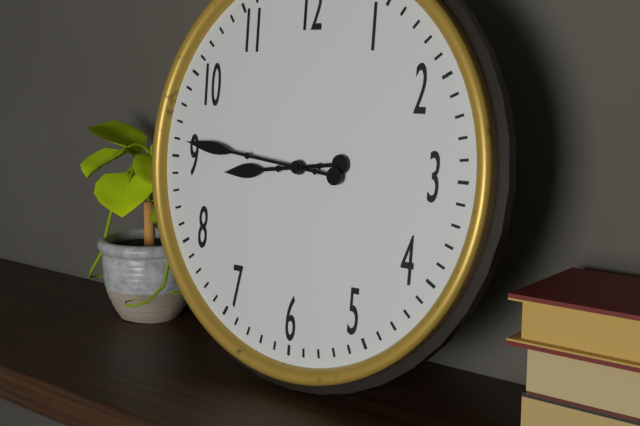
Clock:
h=8 m=46
